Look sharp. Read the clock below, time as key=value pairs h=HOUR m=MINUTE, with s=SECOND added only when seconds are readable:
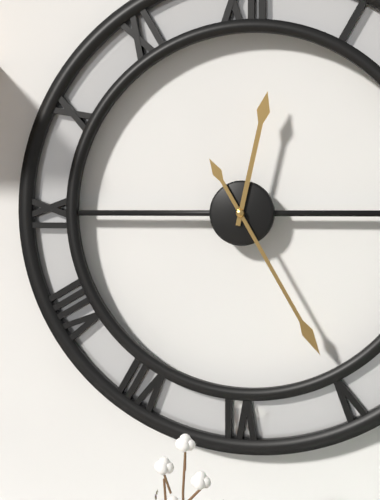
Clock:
h=12 m=25
